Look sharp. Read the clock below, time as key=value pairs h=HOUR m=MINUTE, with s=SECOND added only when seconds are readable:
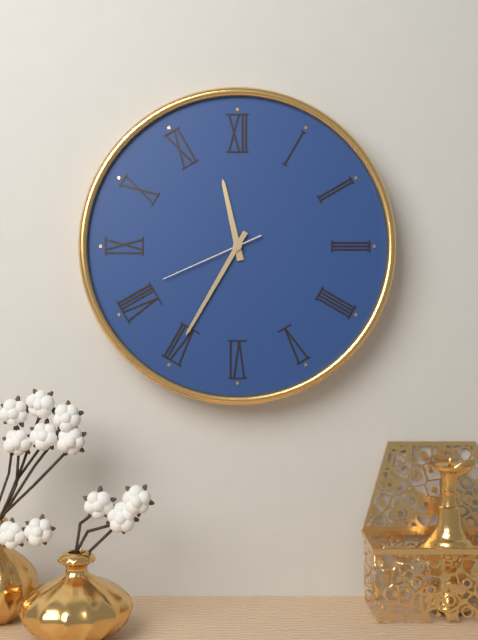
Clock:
h=11 m=35 s=41
